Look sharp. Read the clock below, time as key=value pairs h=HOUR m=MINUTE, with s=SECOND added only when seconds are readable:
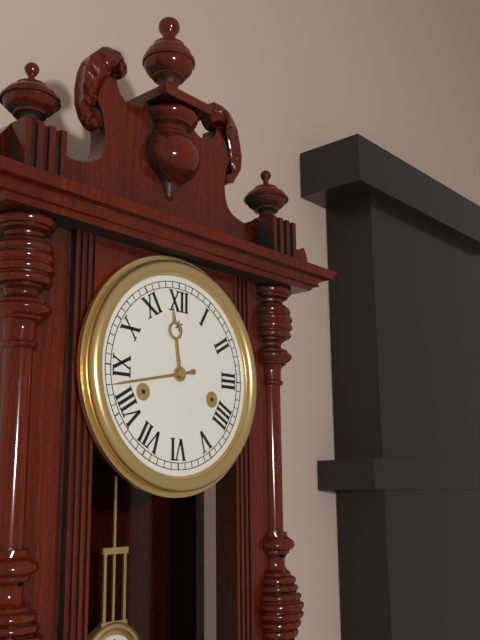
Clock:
h=11 m=43
